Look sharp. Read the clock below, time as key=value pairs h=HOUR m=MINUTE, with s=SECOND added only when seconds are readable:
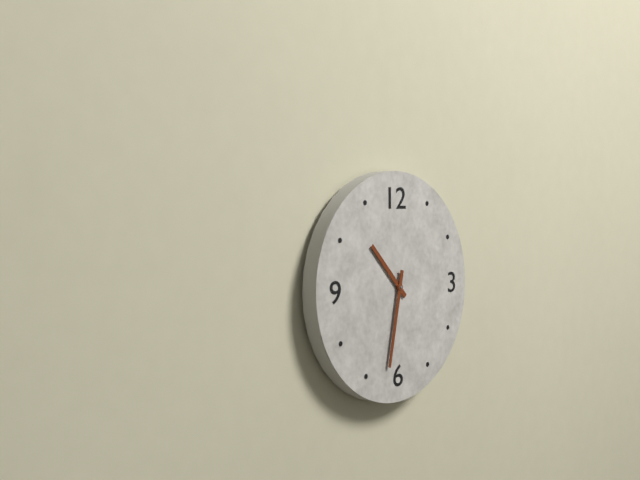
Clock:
h=10 m=32
